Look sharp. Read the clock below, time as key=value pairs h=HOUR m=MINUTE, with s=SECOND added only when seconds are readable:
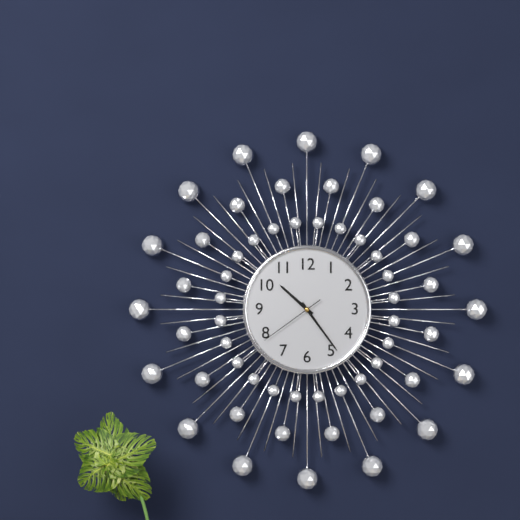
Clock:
h=10 m=24 s=39
